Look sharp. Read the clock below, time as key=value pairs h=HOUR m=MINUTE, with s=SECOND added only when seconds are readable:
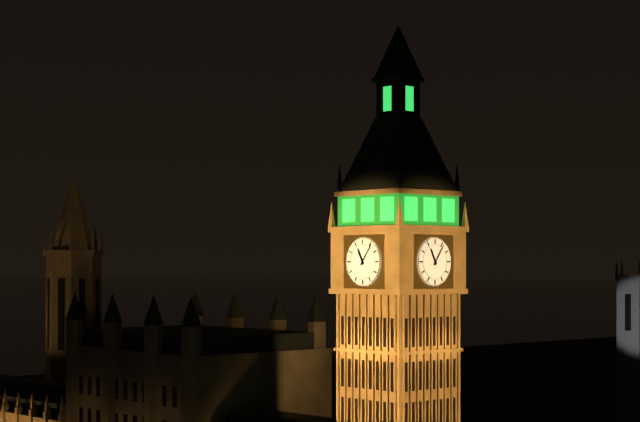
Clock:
h=11 m=6
